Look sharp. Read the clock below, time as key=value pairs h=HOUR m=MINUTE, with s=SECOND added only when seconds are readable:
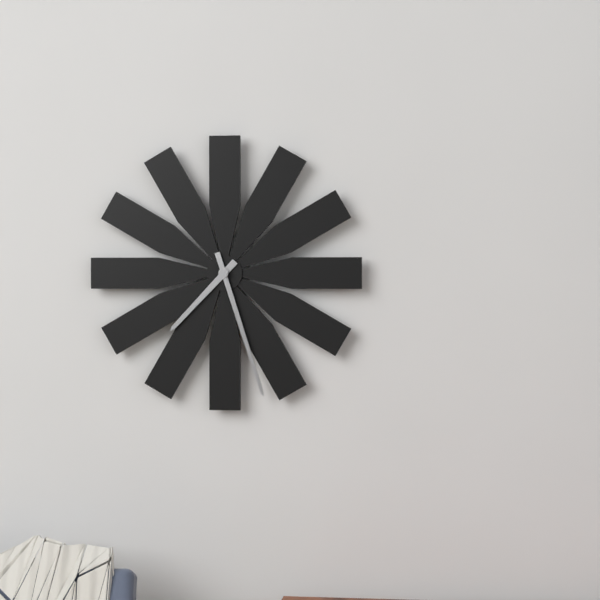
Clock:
h=7 m=27
